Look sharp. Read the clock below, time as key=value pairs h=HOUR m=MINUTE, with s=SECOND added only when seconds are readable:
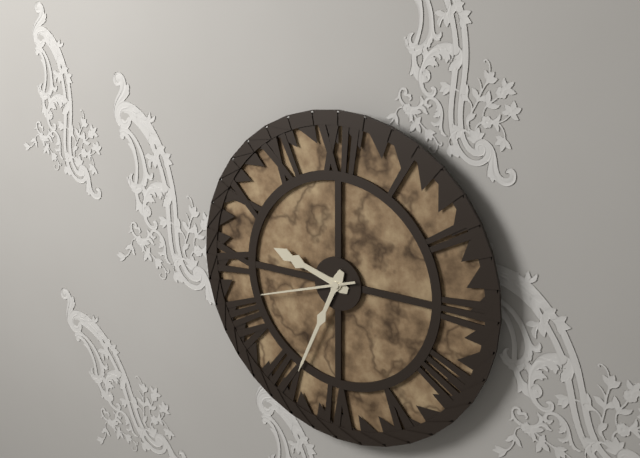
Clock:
h=9 m=34 s=42
